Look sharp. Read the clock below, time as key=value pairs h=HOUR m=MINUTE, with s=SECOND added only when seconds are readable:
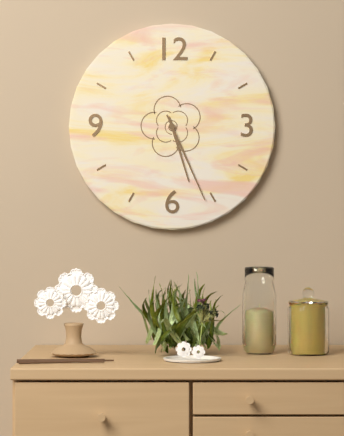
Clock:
h=5 m=26
